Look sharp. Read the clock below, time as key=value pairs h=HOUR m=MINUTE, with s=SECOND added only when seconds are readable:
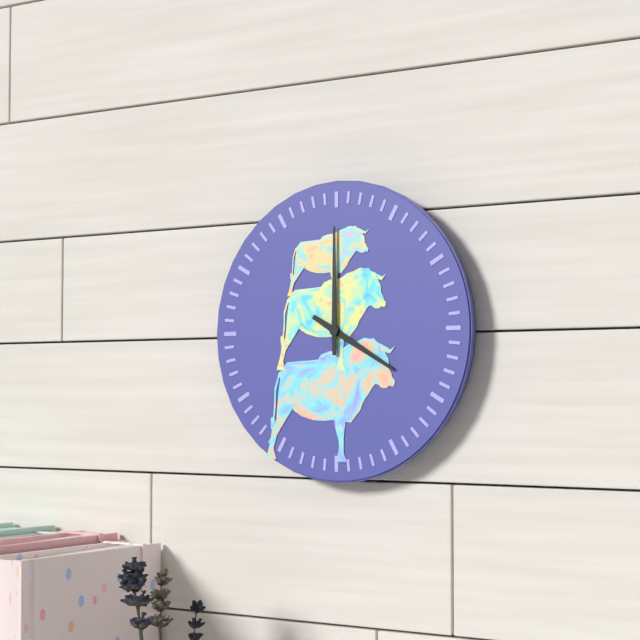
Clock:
h=4 m=0
